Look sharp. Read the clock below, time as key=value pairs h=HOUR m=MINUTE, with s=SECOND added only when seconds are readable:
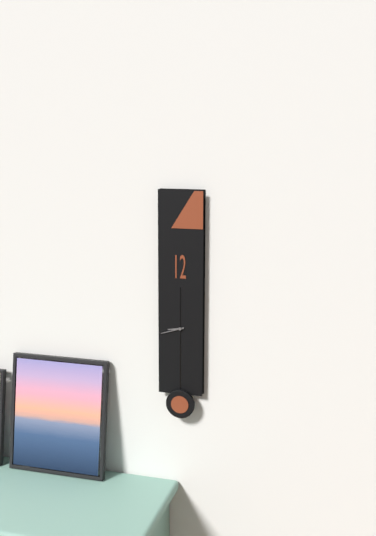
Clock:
h=8 m=42
